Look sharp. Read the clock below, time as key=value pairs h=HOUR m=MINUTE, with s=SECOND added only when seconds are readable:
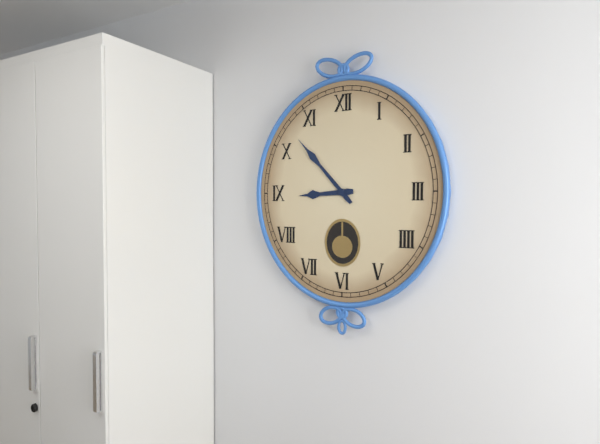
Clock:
h=8 m=53
